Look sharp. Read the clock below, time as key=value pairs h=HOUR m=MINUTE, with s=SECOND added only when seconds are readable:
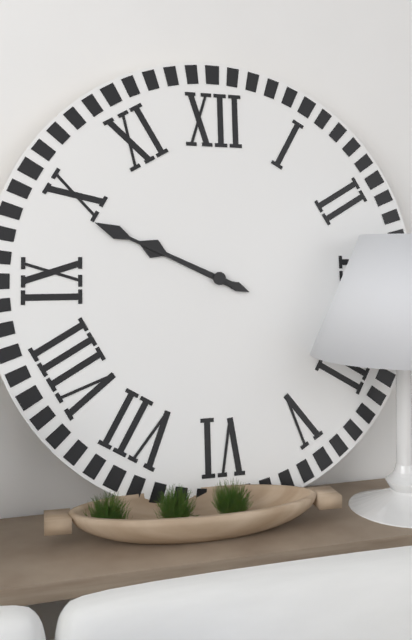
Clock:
h=9 m=49
